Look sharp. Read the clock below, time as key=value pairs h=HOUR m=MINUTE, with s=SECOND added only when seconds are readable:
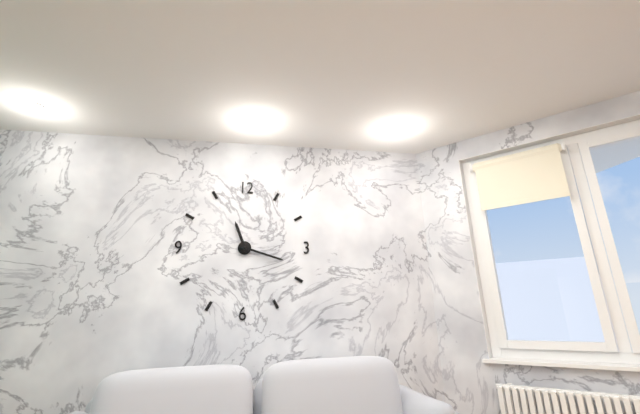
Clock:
h=11 m=18
